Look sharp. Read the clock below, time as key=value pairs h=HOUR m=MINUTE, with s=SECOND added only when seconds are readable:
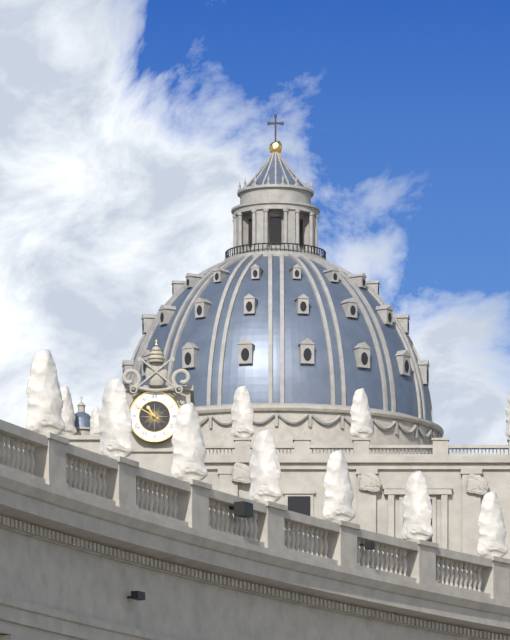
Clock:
h=10 m=50
